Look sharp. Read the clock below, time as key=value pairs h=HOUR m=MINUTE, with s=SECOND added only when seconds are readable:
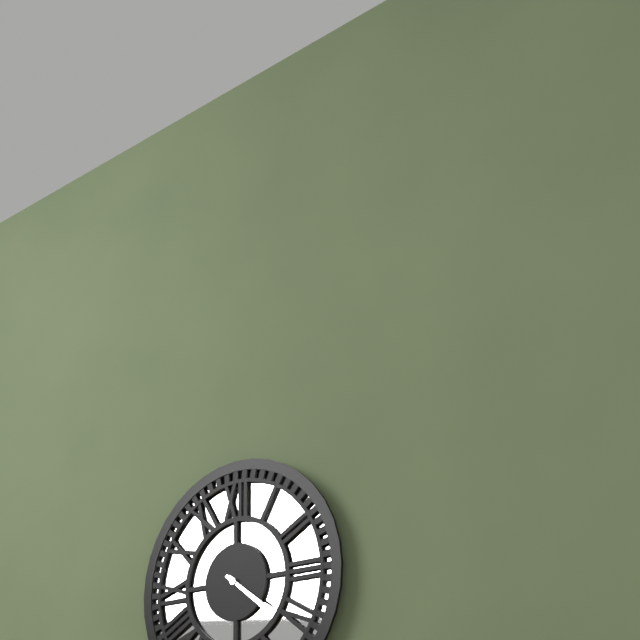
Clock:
h=4 m=21
